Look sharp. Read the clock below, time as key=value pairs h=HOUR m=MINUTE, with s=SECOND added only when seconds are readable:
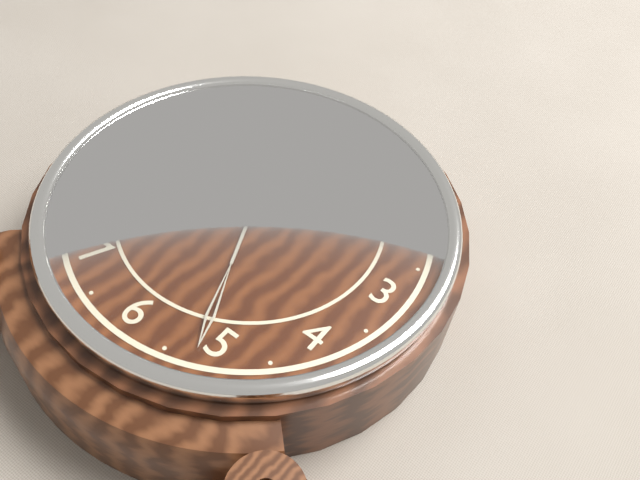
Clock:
h=10 m=26
